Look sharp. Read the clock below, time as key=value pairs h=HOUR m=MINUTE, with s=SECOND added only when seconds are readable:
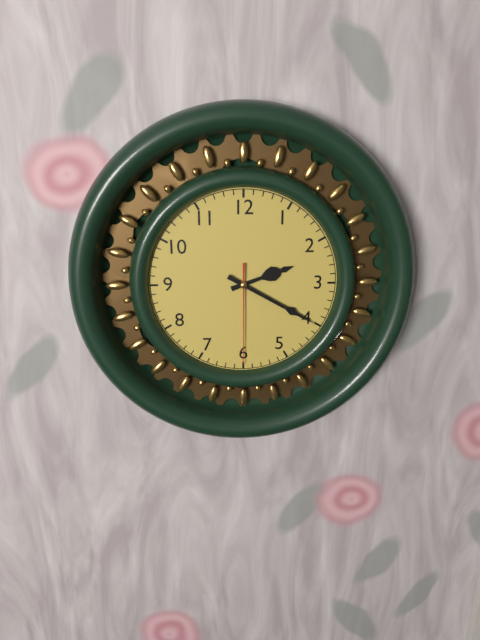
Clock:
h=2 m=20 s=30
